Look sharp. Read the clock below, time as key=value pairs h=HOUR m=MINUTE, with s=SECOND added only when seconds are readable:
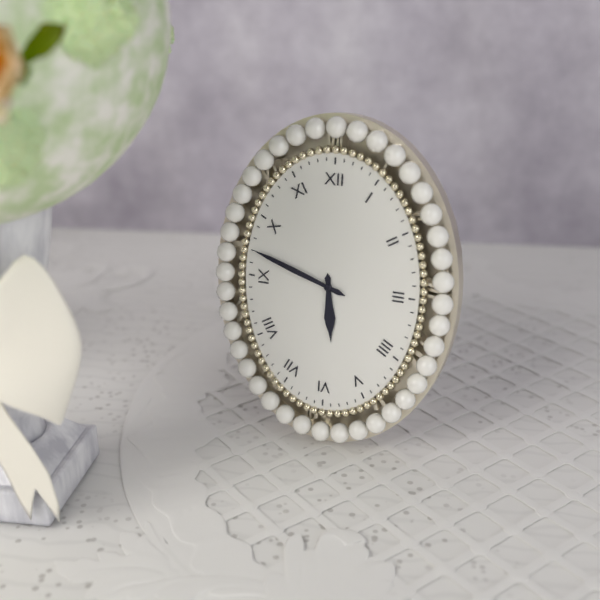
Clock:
h=5 m=48
